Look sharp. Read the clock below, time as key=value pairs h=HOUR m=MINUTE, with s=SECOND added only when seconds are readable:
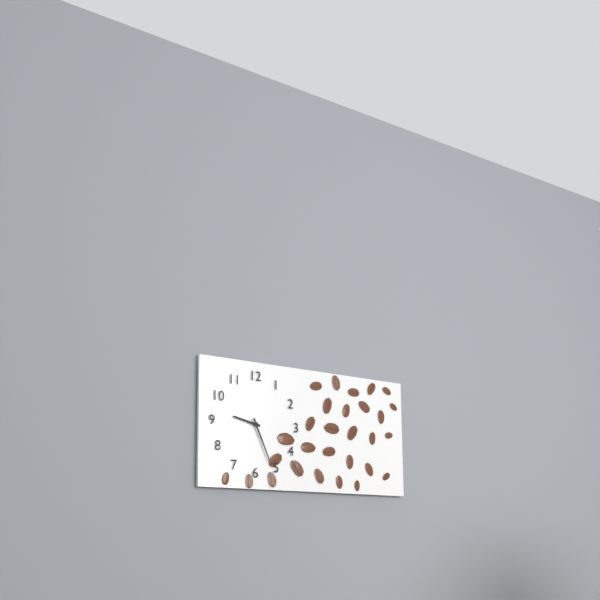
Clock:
h=9 m=26
